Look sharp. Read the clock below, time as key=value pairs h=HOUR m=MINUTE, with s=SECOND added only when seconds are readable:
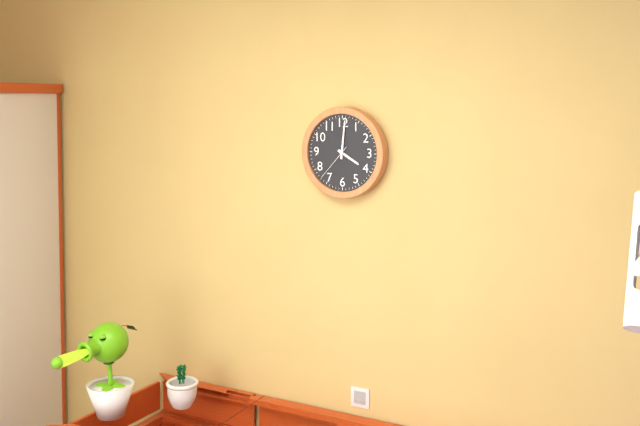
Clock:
h=4 m=1
